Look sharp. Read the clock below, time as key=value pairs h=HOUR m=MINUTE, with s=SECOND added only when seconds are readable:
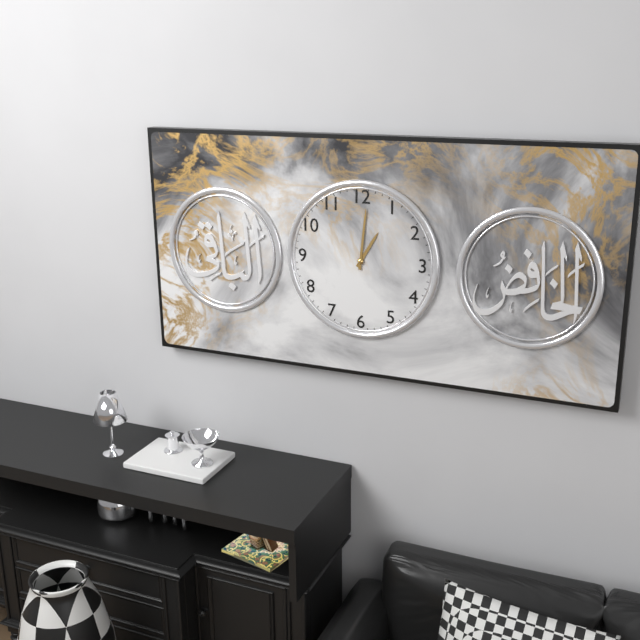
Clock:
h=1 m=1
